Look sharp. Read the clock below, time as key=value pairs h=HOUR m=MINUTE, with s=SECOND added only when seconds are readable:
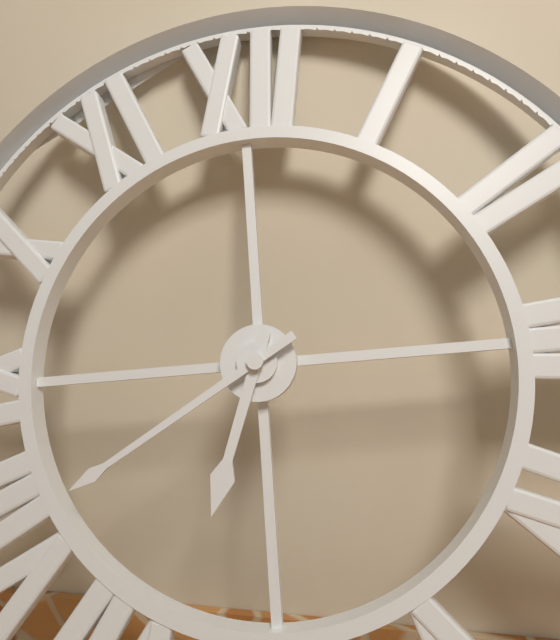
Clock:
h=6 m=40
